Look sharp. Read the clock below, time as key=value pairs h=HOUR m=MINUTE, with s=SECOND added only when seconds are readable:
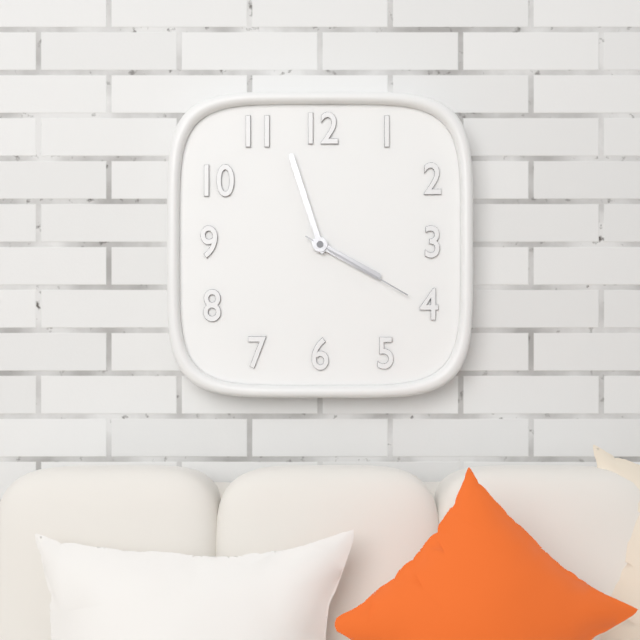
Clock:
h=3 m=57 s=20
